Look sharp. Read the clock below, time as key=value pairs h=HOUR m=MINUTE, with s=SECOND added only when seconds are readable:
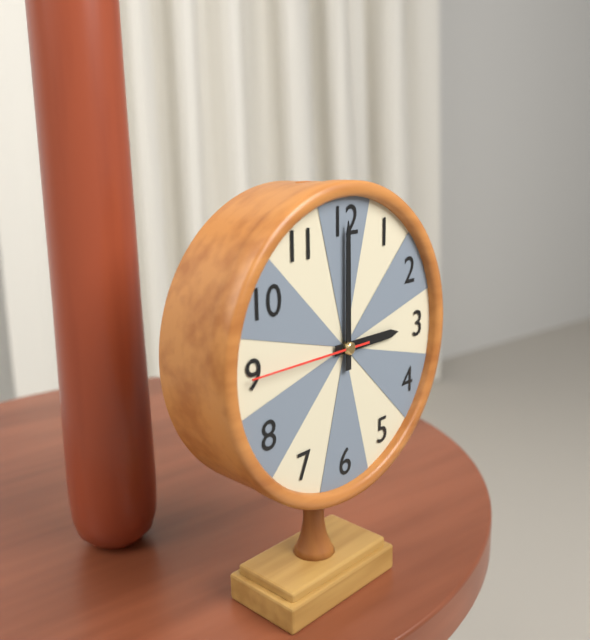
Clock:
h=3 m=0 s=45
